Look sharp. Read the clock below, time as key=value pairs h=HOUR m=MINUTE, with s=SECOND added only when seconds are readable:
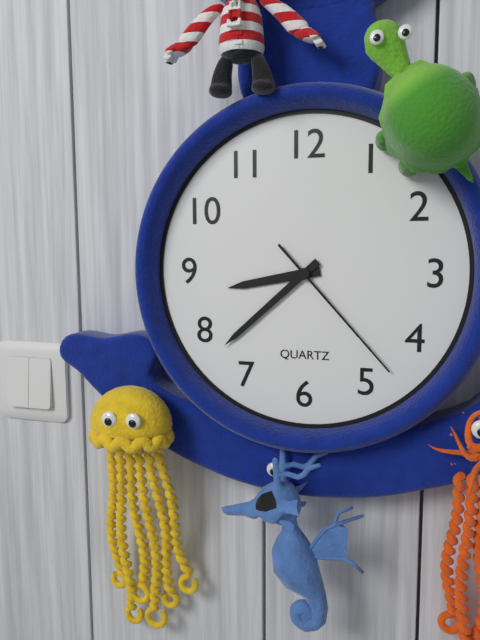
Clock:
h=8 m=38 s=23
